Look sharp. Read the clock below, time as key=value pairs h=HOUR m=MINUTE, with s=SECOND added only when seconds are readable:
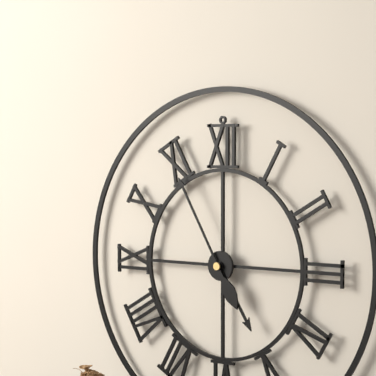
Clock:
h=4 m=55
